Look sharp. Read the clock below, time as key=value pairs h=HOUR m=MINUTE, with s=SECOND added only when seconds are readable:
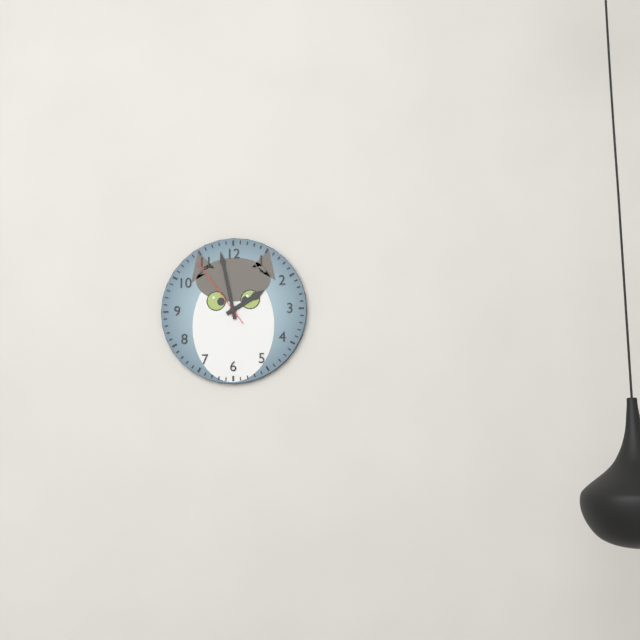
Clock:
h=1 m=58 s=54
